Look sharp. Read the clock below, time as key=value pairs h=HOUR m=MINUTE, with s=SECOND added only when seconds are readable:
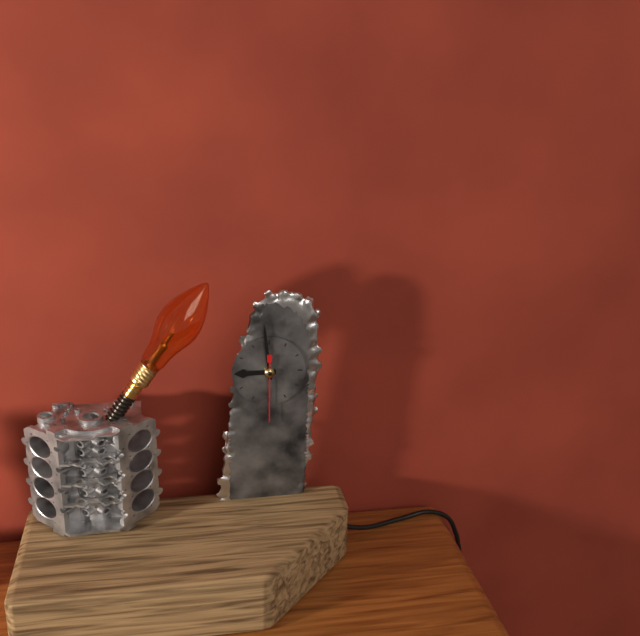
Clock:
h=8 m=59 s=30
